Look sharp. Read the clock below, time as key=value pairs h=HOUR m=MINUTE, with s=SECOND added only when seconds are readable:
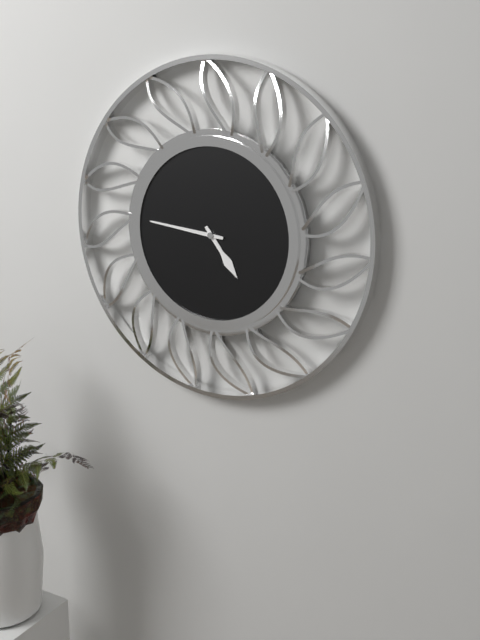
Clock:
h=4 m=46
